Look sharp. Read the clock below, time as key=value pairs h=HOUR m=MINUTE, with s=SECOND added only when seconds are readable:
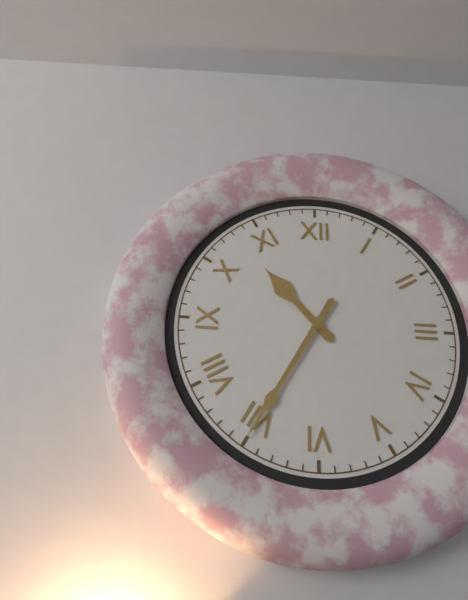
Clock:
h=10 m=35
